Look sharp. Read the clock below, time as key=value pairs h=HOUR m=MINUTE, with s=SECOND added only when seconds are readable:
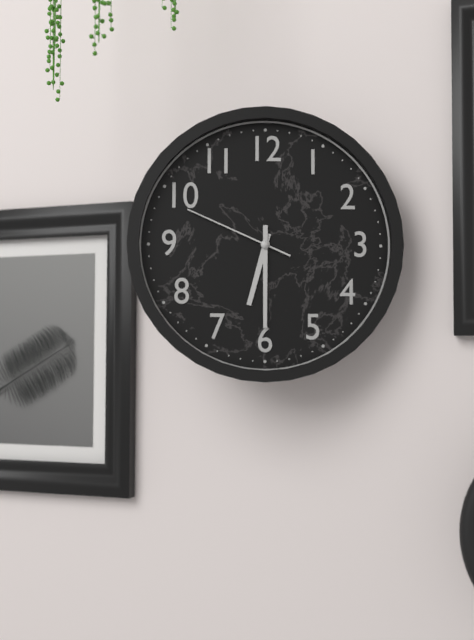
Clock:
h=6 m=30 s=49
